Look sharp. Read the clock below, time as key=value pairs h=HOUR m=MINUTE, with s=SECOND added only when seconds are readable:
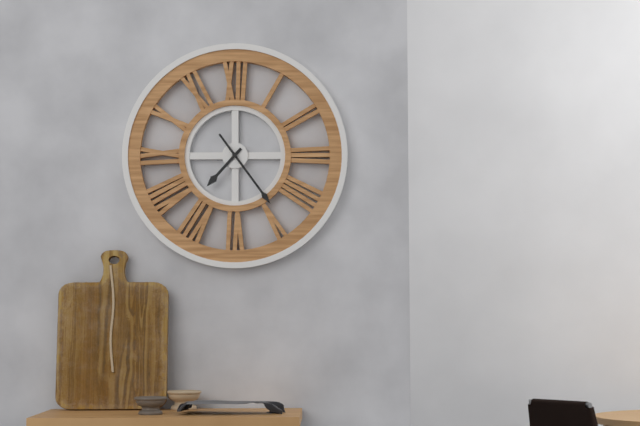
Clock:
h=7 m=24
